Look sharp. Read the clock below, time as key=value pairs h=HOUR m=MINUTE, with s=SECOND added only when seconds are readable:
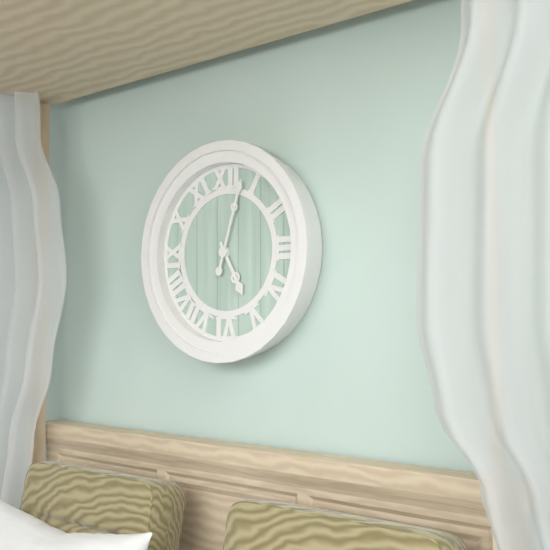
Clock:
h=5 m=3
